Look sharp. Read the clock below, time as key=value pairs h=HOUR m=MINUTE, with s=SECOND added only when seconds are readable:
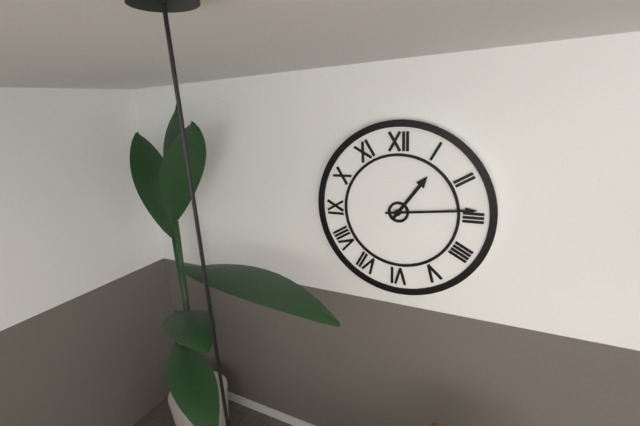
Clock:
h=1 m=14
